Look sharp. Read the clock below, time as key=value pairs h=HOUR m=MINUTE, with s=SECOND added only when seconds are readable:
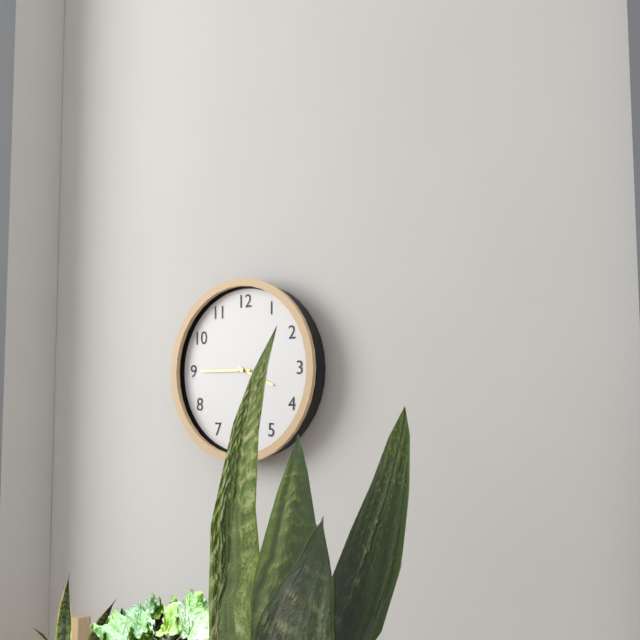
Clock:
h=3 m=45
